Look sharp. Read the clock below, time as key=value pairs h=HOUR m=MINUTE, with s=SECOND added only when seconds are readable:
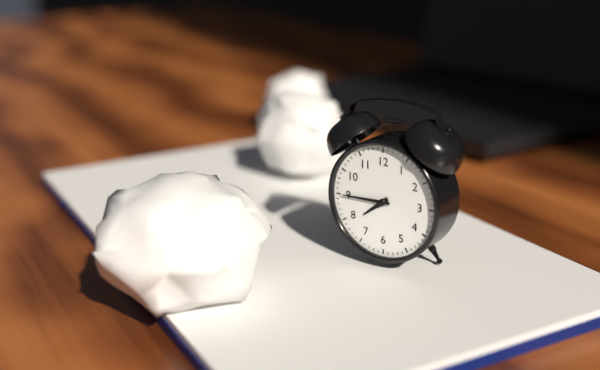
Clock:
h=7 m=45
